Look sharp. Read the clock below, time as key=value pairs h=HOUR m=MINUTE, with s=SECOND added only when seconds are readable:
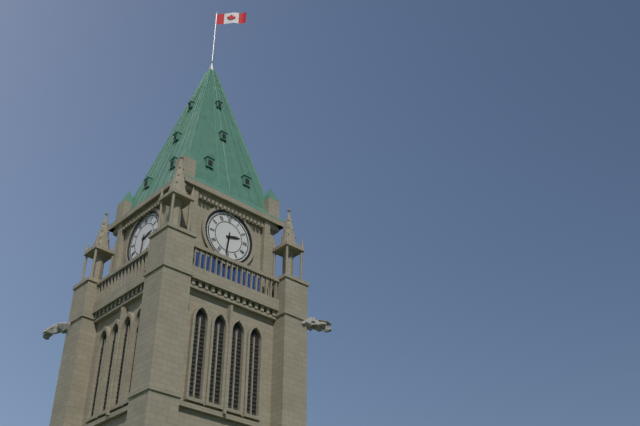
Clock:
h=2 m=31
